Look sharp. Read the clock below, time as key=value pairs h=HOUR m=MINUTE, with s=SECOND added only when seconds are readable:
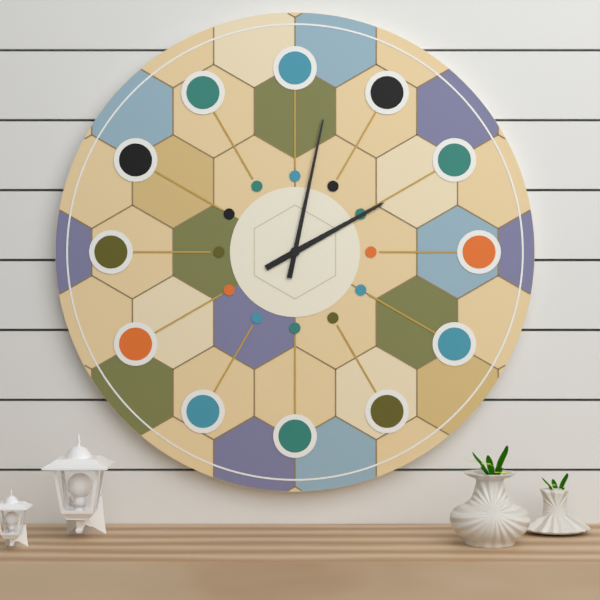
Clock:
h=2 m=2
